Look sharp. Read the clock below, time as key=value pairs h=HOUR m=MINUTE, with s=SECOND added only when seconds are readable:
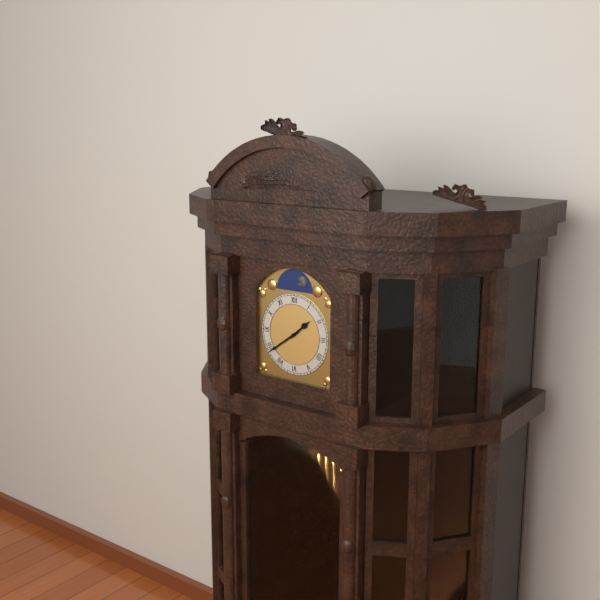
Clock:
h=1 m=39
